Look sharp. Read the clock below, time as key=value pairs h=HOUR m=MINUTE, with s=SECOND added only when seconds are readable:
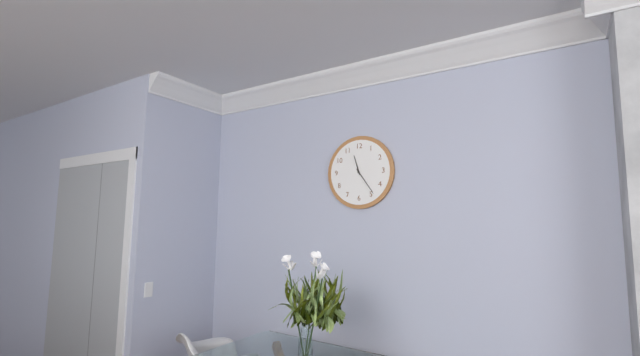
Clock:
h=11 m=24
